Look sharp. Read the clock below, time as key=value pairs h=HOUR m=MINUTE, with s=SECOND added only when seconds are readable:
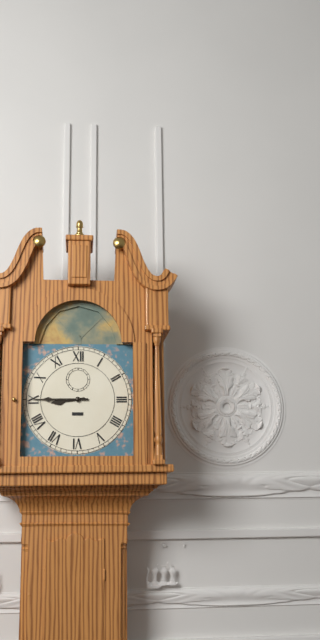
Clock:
h=8 m=45
